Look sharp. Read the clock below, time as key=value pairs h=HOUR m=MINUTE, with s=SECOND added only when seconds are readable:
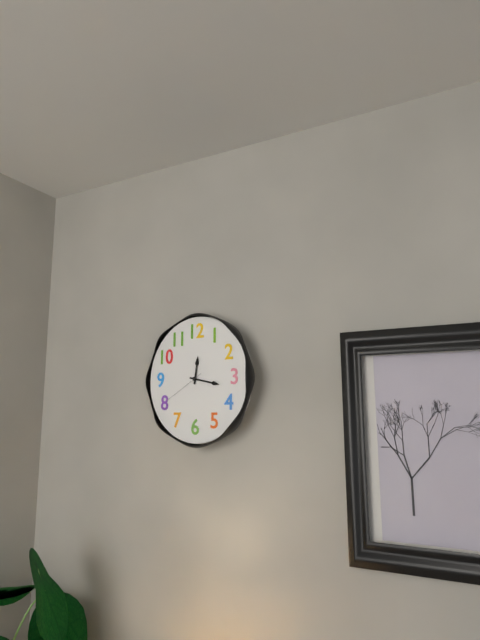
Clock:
h=12 m=17
